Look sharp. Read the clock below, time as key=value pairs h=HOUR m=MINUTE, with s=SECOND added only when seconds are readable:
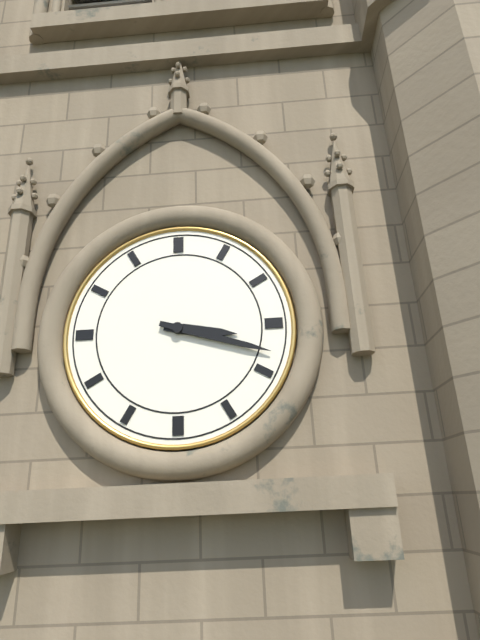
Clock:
h=3 m=18
